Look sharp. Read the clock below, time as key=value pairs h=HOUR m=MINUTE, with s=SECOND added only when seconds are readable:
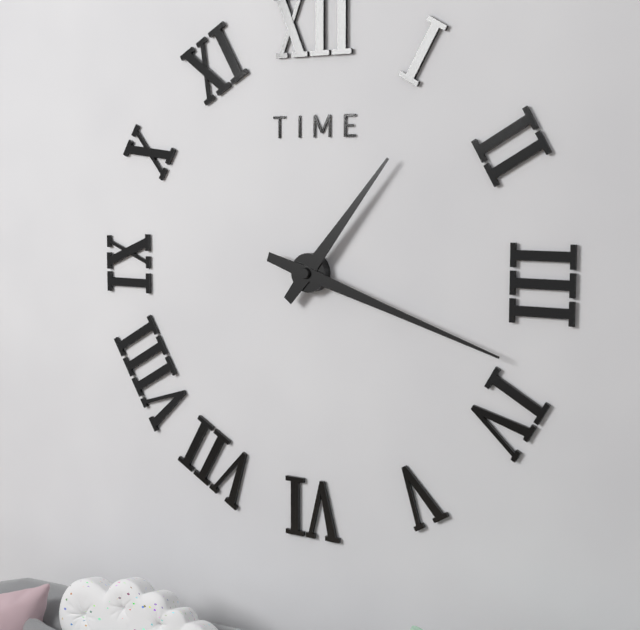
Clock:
h=1 m=18
